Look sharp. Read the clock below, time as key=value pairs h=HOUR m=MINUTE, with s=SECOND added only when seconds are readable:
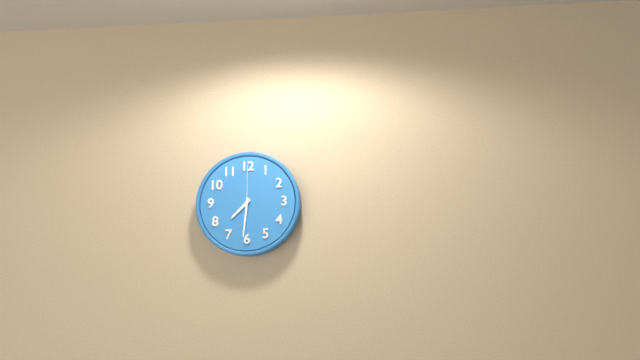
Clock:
h=7 m=31
